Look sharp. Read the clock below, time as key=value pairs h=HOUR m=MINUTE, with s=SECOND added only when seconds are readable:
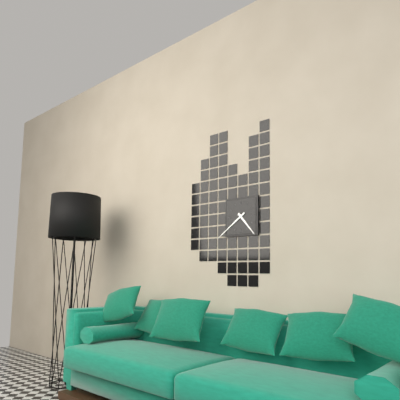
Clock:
h=4 m=39
